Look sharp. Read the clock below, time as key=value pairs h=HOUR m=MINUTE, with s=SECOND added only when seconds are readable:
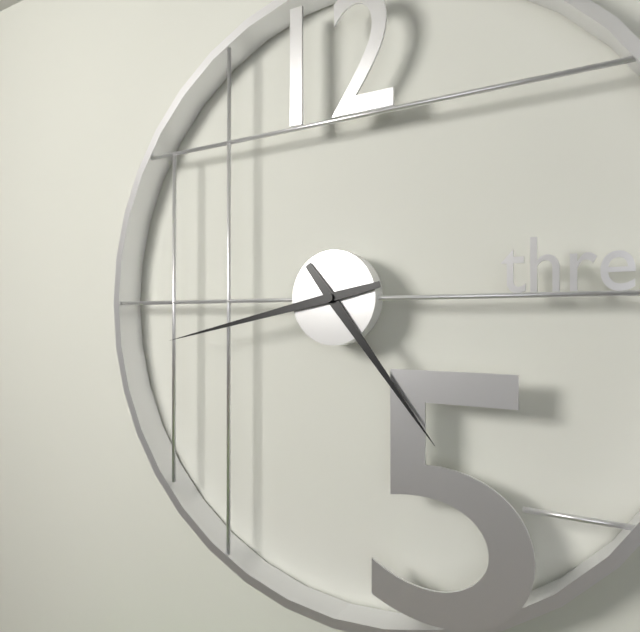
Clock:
h=4 m=43
